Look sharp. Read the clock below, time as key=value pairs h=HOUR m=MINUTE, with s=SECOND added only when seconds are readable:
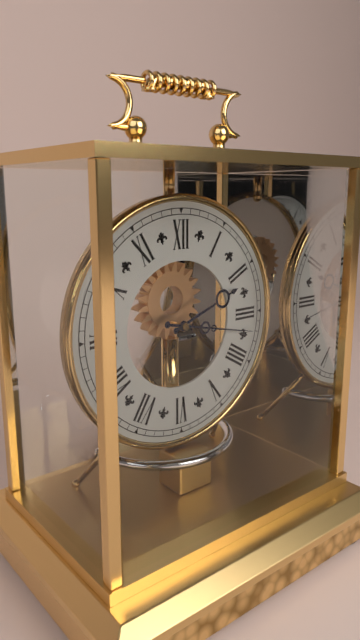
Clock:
h=2 m=17
